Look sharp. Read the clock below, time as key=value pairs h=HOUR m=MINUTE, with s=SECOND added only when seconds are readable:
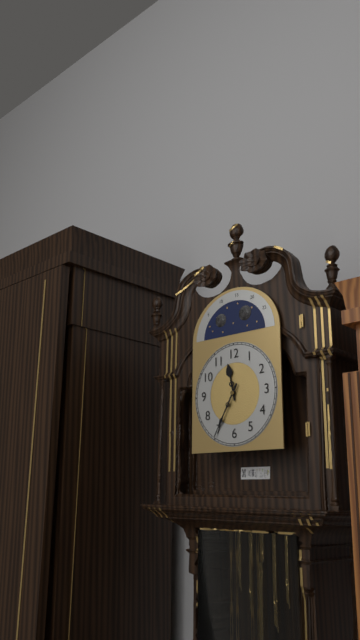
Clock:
h=11 m=35
